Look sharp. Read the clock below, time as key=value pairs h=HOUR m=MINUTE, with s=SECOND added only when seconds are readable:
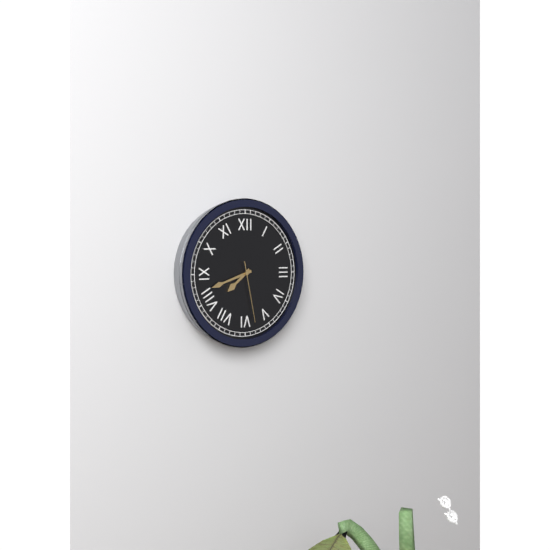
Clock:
h=7 m=42 s=28
